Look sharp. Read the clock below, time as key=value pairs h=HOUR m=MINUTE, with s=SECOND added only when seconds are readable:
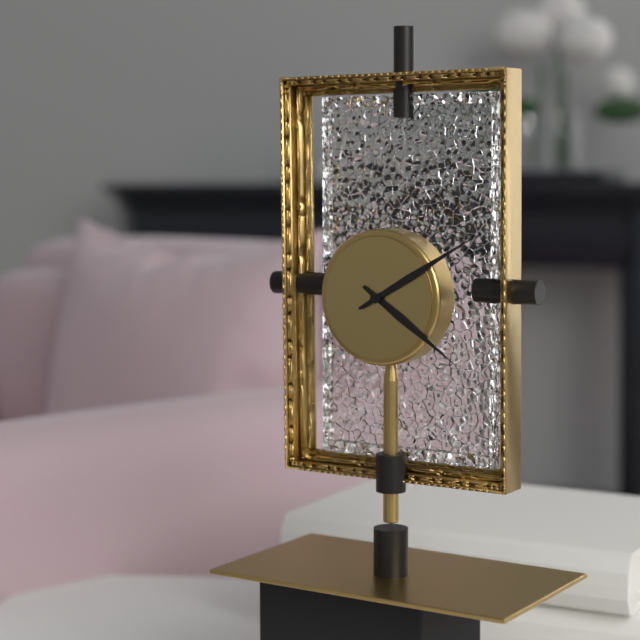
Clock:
h=4 m=10
